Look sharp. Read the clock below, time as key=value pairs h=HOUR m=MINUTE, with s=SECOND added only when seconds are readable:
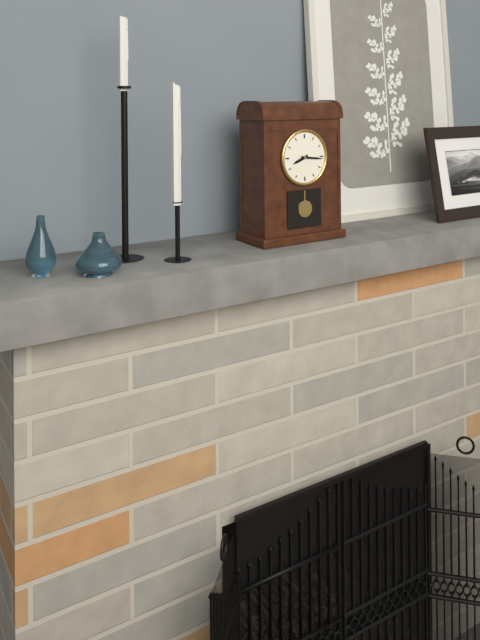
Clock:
h=8 m=16
